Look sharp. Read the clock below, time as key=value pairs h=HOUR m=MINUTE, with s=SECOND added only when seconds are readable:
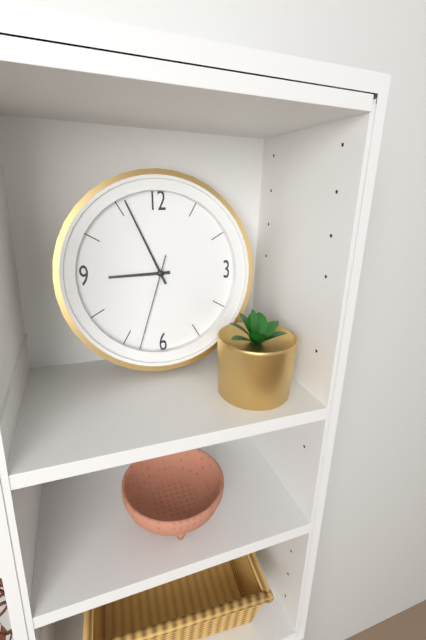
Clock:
h=8 m=56 s=33
